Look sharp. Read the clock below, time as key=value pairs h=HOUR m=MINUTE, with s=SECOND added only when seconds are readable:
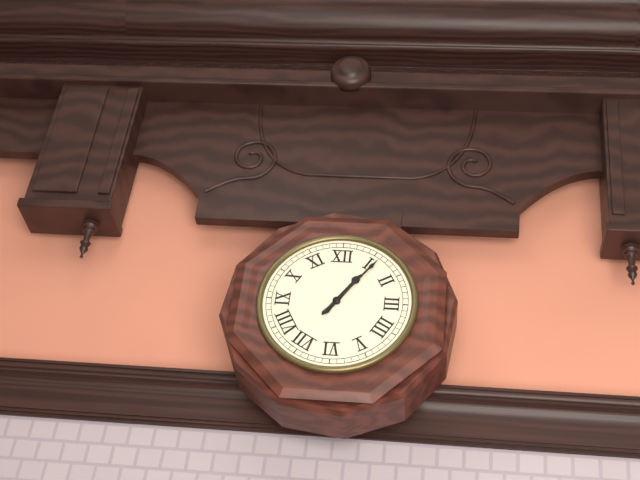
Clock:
h=1 m=6
